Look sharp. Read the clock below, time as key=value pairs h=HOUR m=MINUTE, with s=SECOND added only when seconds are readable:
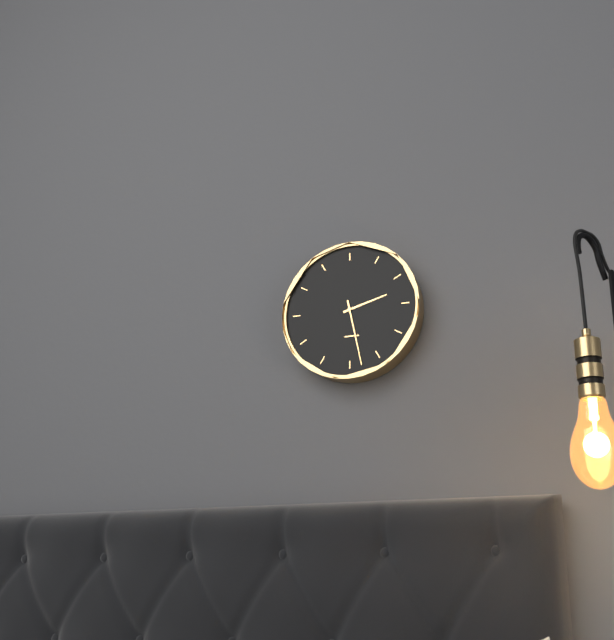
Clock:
h=2 m=28
